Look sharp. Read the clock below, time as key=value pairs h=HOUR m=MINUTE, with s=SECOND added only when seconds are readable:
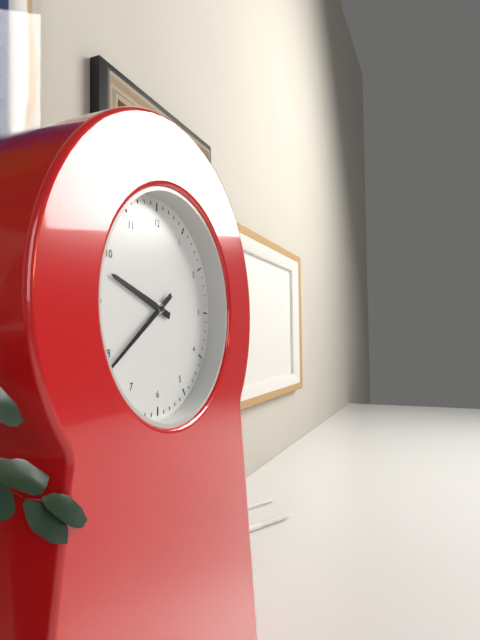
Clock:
h=9 m=39
